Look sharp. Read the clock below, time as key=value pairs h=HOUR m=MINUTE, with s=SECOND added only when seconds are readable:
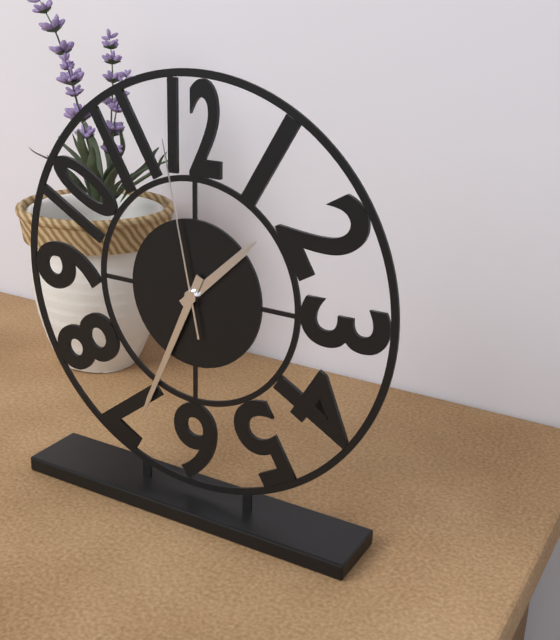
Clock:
h=1 m=34 s=58
